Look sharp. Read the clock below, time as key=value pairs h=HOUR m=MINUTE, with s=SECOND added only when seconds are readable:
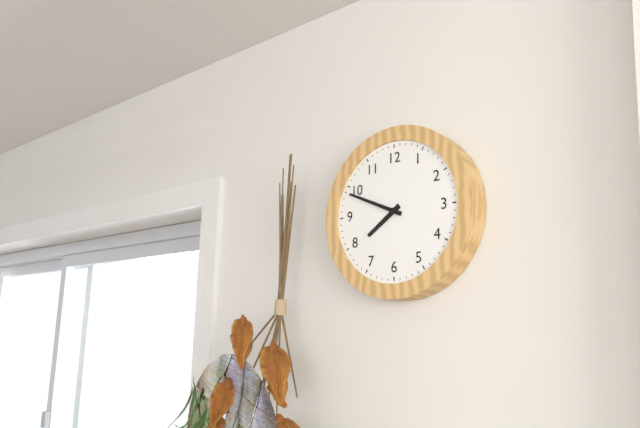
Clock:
h=7 m=49
